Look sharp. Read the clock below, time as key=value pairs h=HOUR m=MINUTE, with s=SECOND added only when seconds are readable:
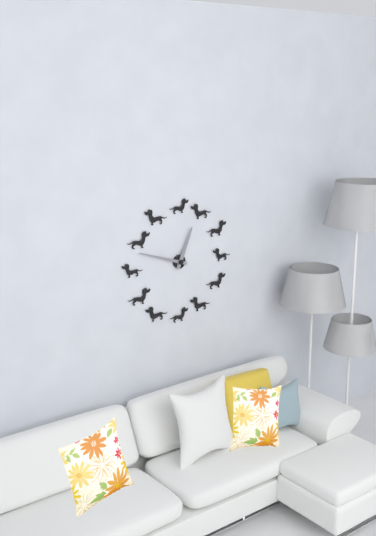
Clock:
h=12 m=48
